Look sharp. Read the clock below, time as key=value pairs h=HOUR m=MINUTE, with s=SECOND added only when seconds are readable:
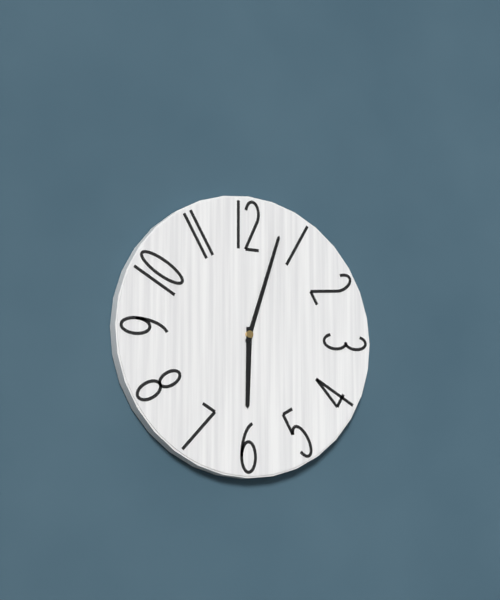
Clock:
h=6 m=3
